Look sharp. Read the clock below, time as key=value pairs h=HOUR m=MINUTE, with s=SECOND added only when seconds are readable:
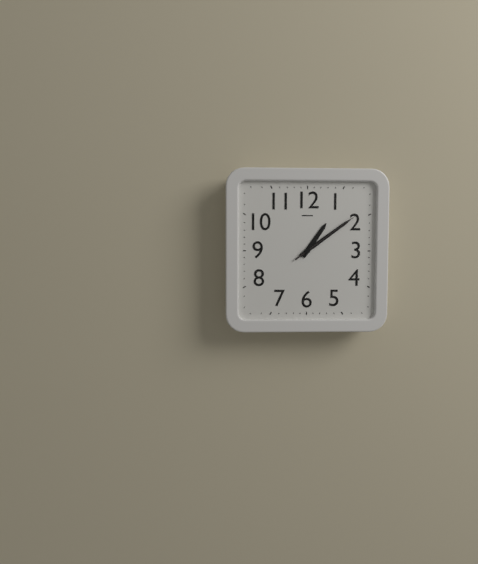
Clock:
h=1 m=9 s=9
